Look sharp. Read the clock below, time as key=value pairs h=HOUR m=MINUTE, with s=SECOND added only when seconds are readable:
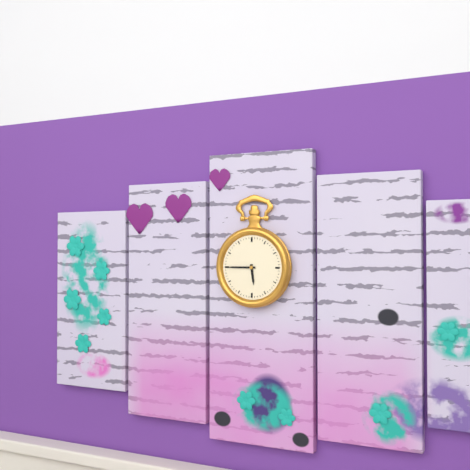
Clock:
h=5 m=45
